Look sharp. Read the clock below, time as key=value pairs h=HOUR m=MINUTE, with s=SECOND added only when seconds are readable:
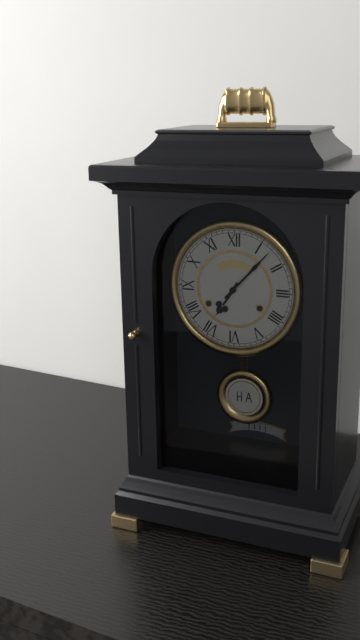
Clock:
h=7 m=7
